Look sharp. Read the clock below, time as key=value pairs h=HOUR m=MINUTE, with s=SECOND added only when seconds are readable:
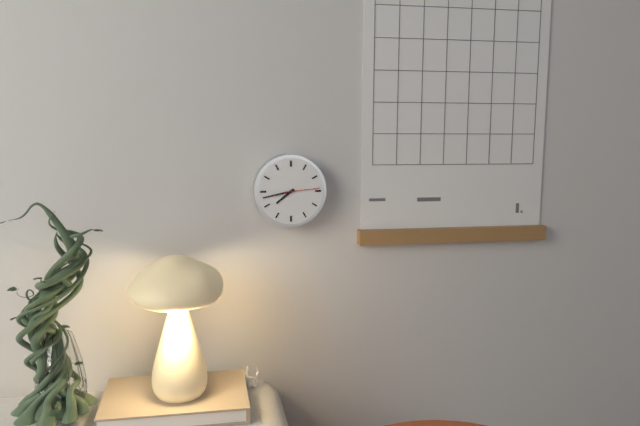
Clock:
h=7 m=43
